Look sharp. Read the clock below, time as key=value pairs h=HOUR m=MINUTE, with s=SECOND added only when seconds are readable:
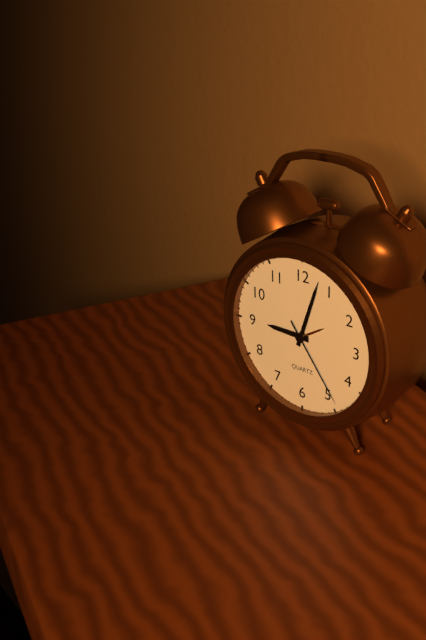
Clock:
h=9 m=3 s=24
